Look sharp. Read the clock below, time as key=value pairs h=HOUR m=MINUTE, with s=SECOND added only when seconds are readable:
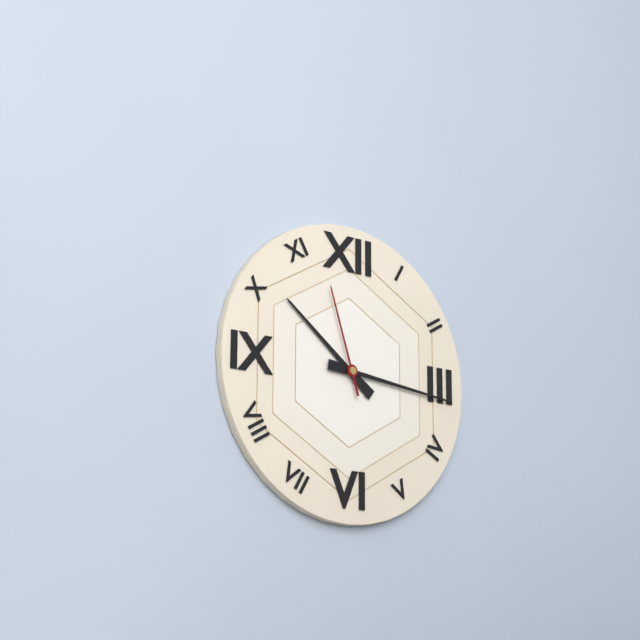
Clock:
h=10 m=16 s=57
